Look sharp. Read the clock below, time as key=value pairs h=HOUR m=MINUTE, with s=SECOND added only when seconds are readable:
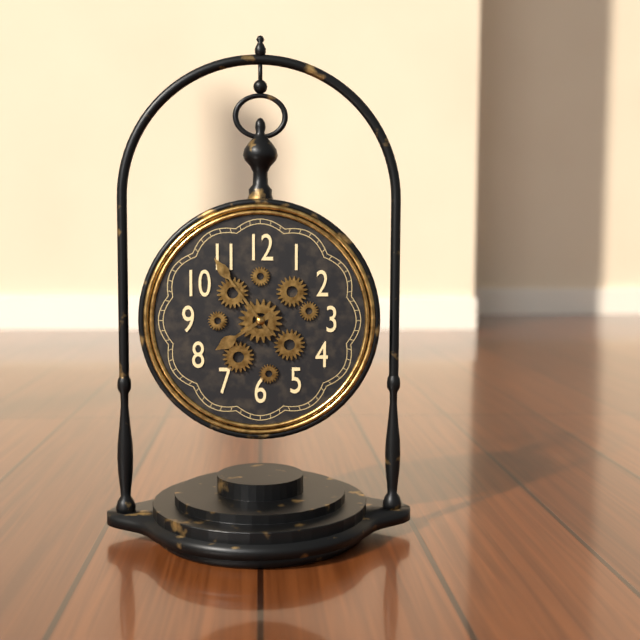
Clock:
h=7 m=54
